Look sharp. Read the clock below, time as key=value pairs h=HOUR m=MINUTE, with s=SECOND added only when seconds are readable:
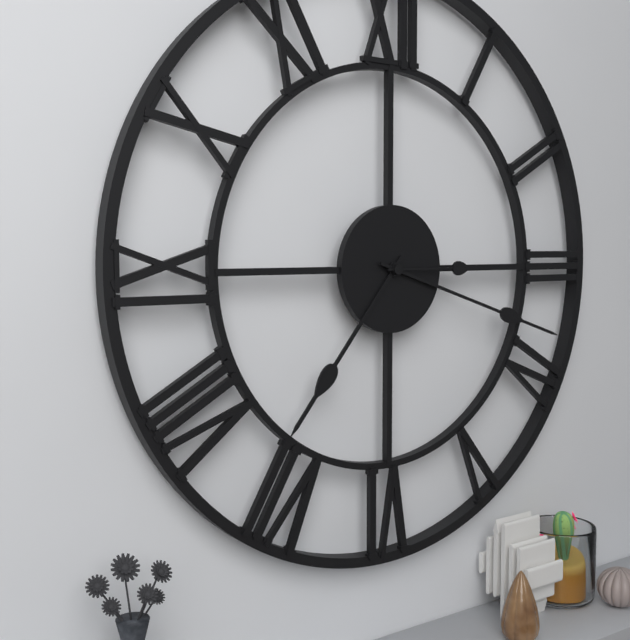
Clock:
h=7 m=18 s=15
